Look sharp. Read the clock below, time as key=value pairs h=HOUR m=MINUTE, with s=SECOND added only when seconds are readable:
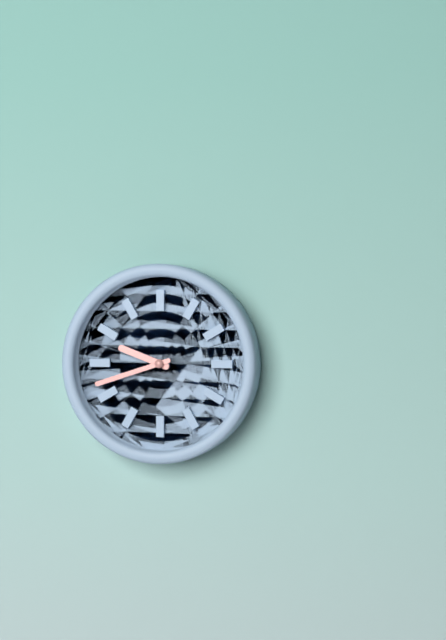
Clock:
h=9 m=42
